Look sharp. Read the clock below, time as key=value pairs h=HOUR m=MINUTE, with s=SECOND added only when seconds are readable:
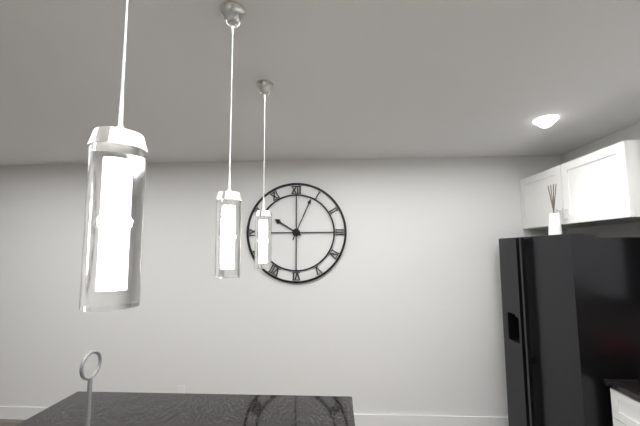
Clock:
h=10 m=4
